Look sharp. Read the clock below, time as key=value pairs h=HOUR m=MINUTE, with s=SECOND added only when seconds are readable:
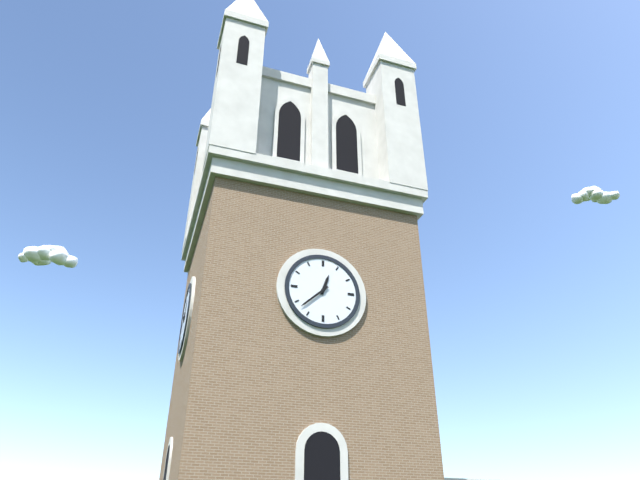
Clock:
h=12 m=38
